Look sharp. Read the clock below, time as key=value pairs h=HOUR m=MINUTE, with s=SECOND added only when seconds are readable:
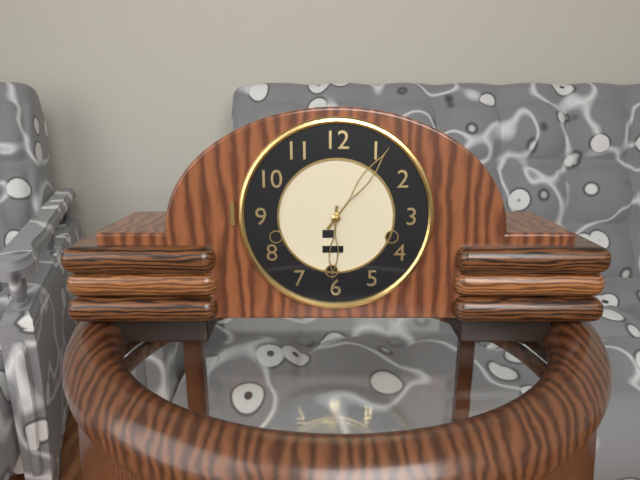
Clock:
h=6 m=6
